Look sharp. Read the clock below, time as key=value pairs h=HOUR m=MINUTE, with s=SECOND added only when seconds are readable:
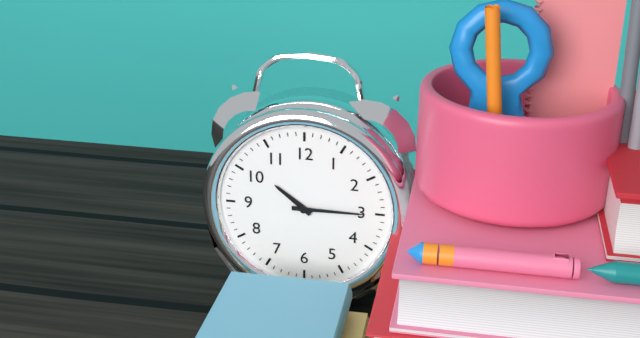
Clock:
h=10 m=15
